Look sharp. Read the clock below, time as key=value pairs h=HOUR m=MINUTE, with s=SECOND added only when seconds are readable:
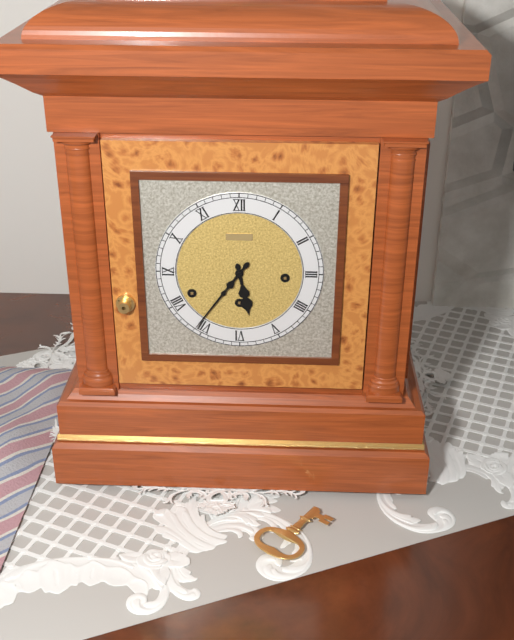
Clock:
h=5 m=36
